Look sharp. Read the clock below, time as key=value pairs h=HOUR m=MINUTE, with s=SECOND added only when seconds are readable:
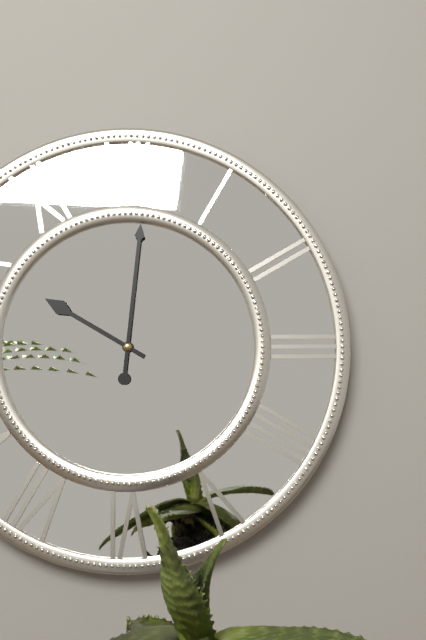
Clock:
h=10 m=1
